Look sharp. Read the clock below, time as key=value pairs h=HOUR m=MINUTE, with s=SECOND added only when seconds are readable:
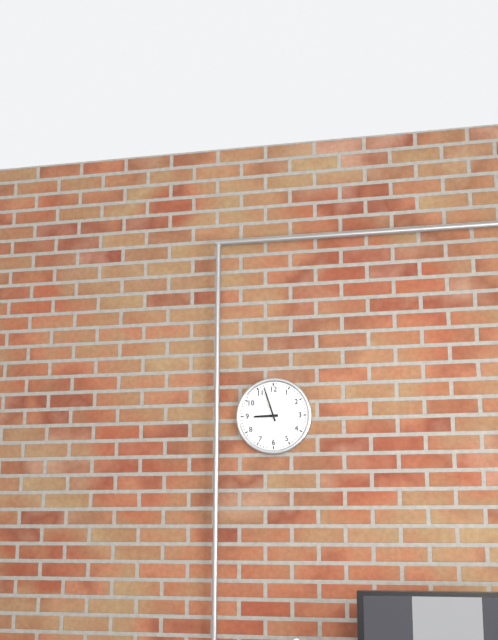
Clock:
h=8 m=57
